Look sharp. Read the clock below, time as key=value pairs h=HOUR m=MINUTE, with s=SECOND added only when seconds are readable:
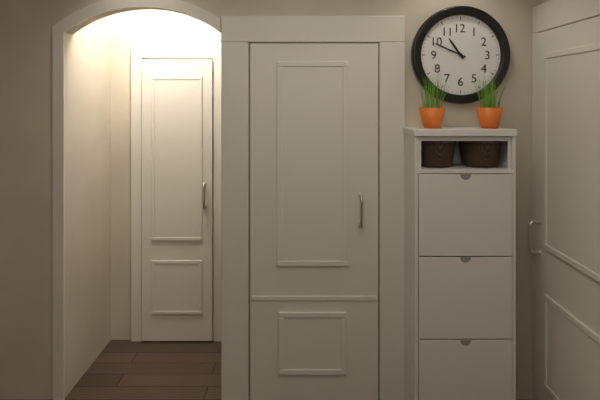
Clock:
h=10 m=49
